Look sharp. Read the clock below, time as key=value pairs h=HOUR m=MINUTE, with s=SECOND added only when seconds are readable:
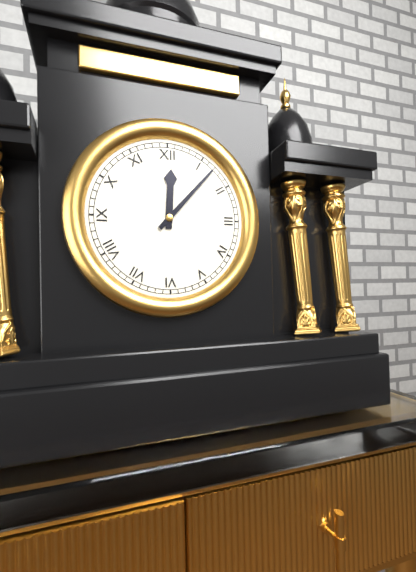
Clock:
h=12 m=7
